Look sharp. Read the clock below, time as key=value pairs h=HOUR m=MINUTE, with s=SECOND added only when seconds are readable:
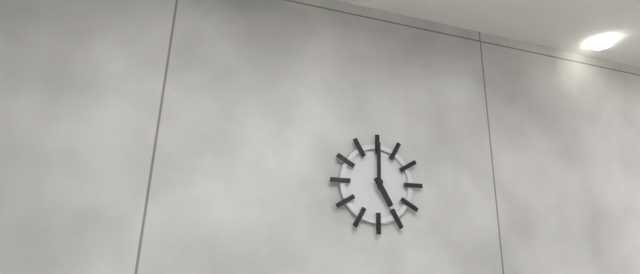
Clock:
h=5 m=0
